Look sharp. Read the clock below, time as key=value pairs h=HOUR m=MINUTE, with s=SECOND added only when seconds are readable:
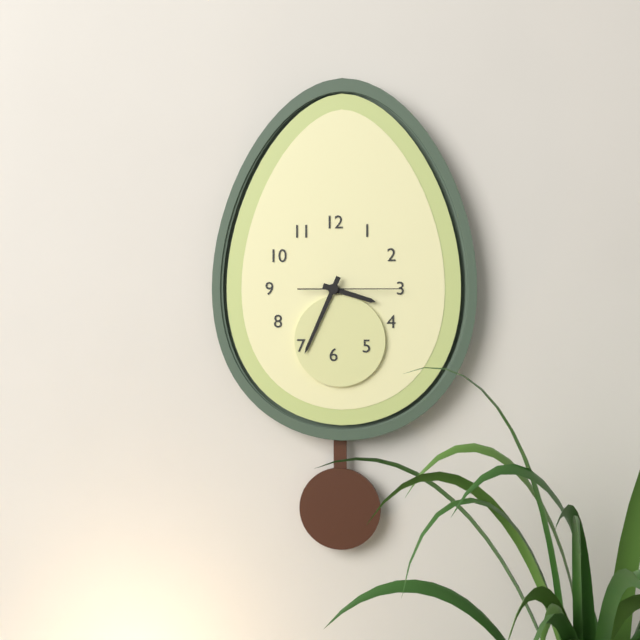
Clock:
h=3 m=34 s=15
